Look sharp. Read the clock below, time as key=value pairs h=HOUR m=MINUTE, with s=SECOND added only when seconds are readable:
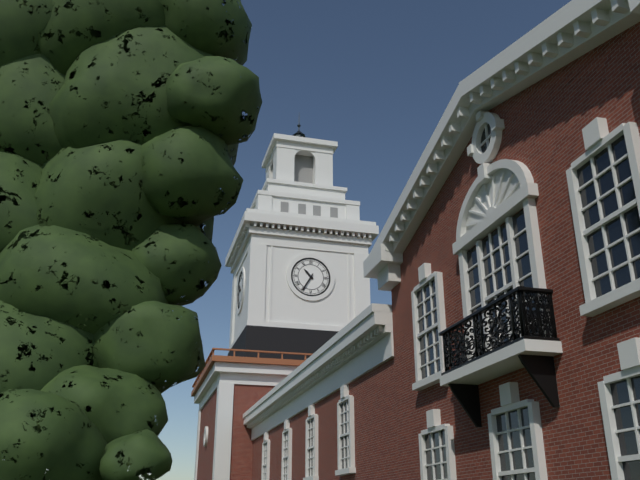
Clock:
h=10 m=35
